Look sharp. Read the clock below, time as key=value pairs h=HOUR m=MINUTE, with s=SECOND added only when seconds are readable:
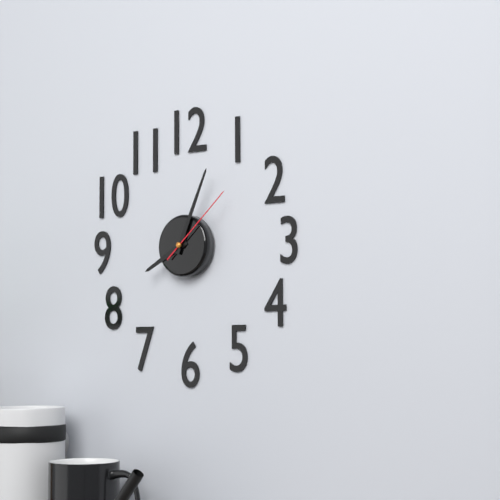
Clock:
h=8 m=4 s=8
